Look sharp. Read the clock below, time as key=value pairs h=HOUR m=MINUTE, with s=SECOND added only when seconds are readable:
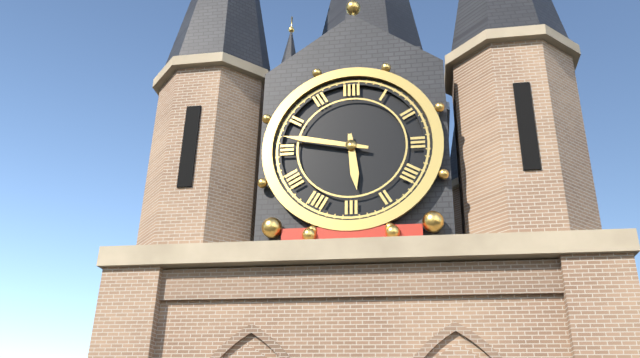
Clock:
h=5 m=47
